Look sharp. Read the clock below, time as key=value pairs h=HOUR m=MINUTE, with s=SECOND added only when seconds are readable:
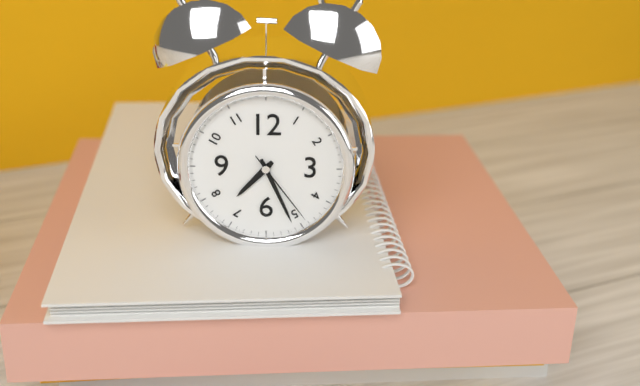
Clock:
h=7 m=26 s=24
